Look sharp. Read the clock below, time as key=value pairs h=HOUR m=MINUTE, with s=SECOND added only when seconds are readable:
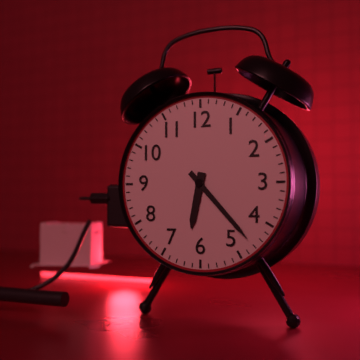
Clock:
h=6 m=23
